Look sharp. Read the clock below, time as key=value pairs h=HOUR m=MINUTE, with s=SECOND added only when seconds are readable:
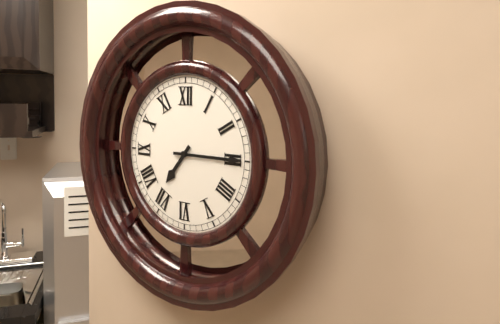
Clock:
h=7 m=15
